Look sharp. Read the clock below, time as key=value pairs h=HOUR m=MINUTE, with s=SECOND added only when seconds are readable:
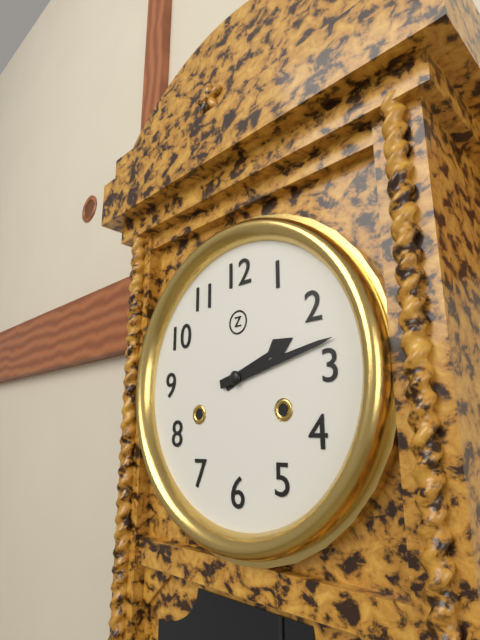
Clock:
h=2 m=13
